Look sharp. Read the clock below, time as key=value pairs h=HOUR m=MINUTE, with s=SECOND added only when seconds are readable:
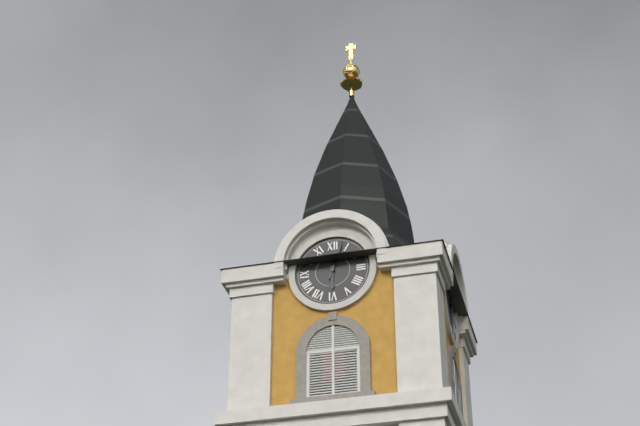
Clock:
h=6 m=3
